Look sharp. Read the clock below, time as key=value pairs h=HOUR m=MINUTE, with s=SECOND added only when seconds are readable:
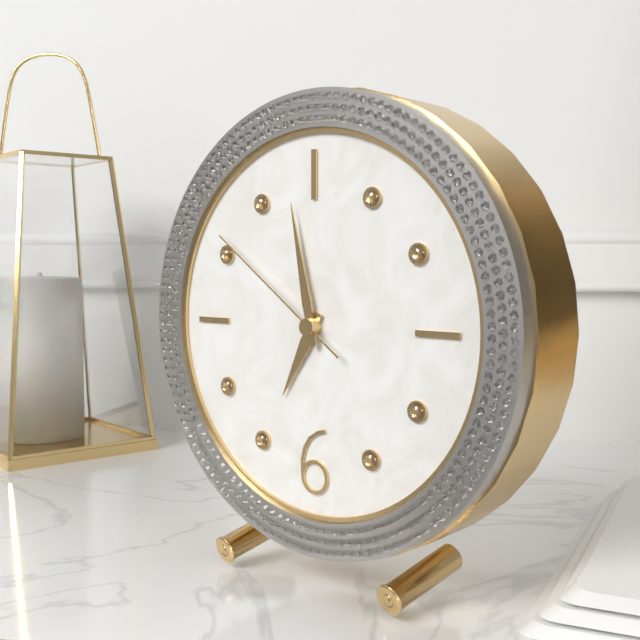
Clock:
h=6 m=58 s=51
